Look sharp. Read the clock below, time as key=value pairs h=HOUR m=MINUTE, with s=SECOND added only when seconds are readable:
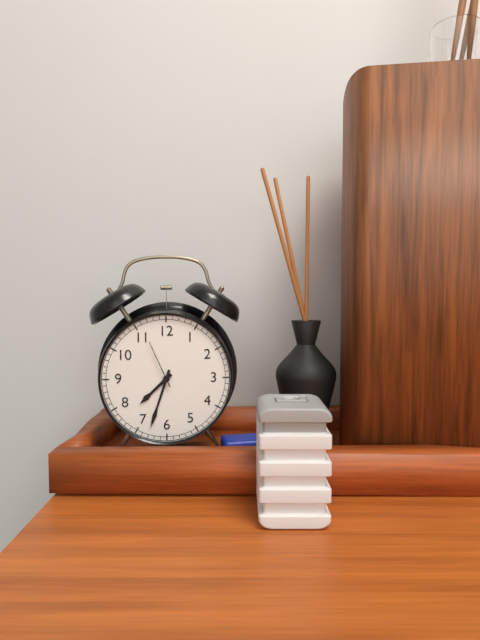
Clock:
h=7 m=33 s=56
